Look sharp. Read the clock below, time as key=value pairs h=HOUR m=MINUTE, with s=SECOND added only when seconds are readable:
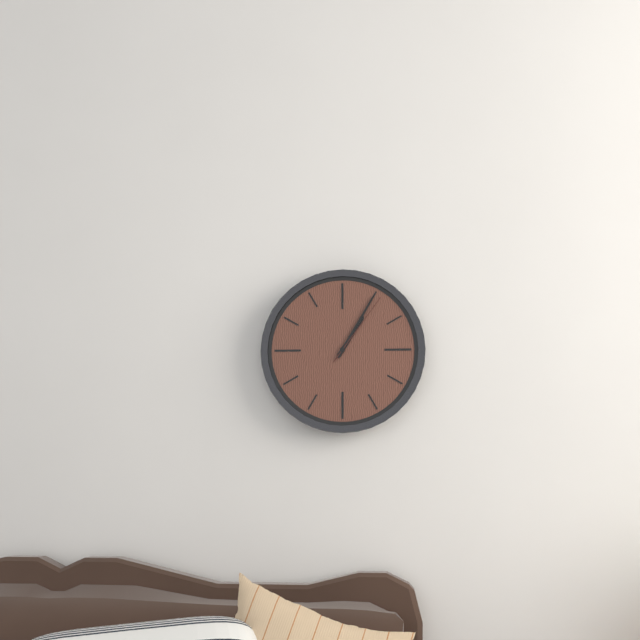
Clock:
h=1 m=5 s=6
